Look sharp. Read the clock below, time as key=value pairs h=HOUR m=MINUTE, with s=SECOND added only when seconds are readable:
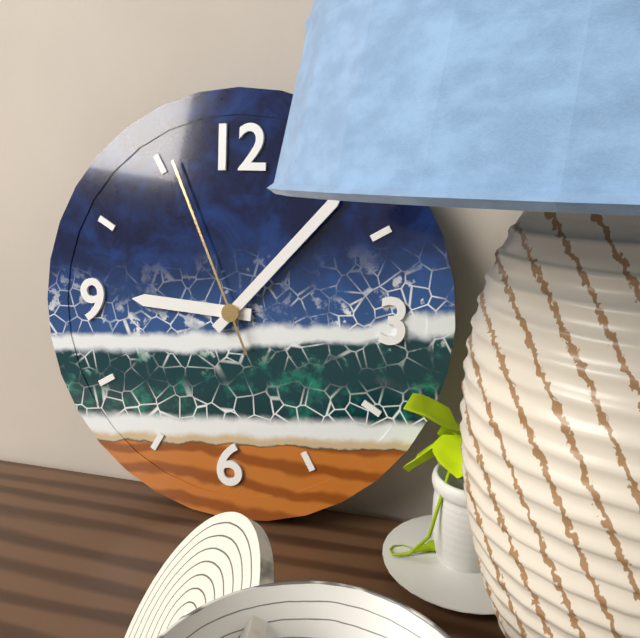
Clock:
h=9 m=7 s=56
